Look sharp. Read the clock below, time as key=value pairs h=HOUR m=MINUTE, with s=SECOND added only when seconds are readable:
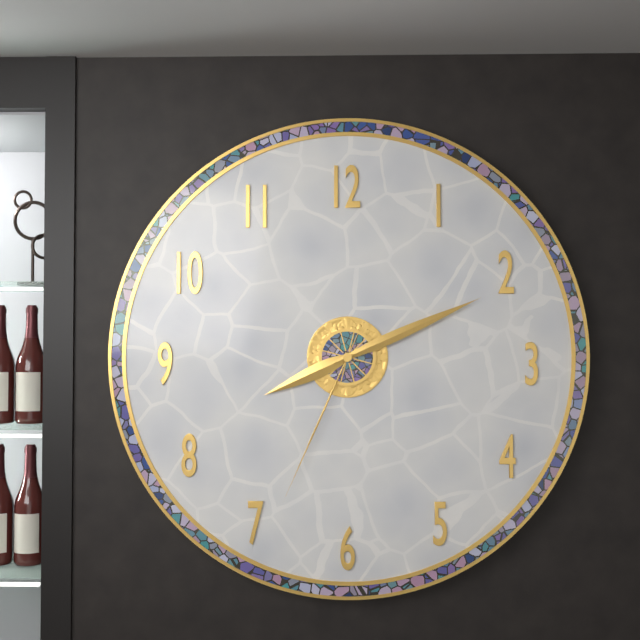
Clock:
h=8 m=11 s=34
